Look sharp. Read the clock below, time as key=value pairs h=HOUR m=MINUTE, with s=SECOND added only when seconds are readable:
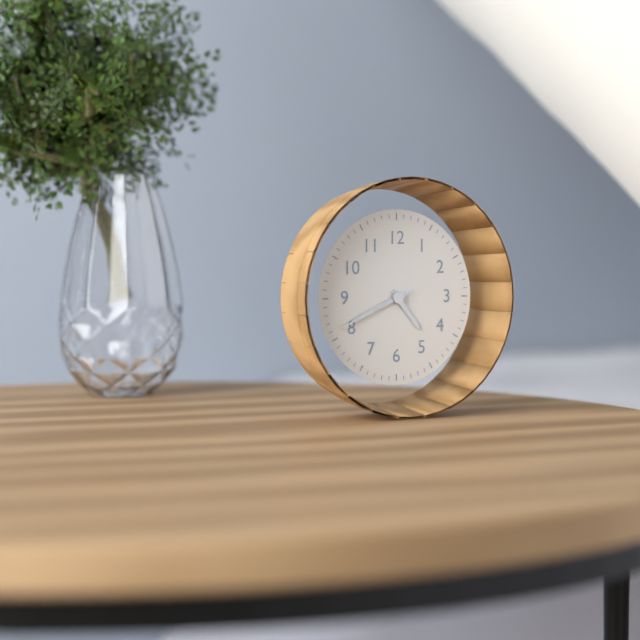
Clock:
h=4 m=41 s=41
